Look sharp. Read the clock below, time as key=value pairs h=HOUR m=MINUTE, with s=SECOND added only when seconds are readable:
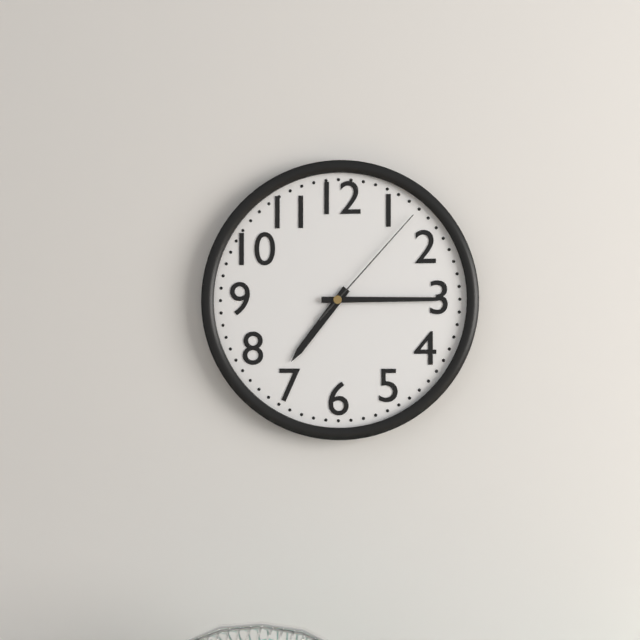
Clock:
h=7 m=15 s=7
